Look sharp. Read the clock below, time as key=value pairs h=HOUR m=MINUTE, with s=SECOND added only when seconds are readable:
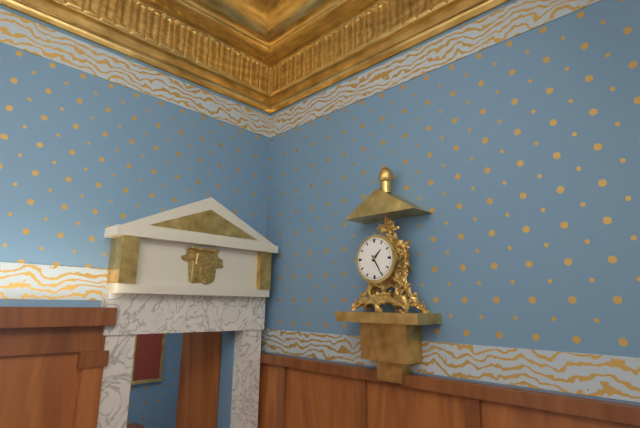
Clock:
h=1 m=25
